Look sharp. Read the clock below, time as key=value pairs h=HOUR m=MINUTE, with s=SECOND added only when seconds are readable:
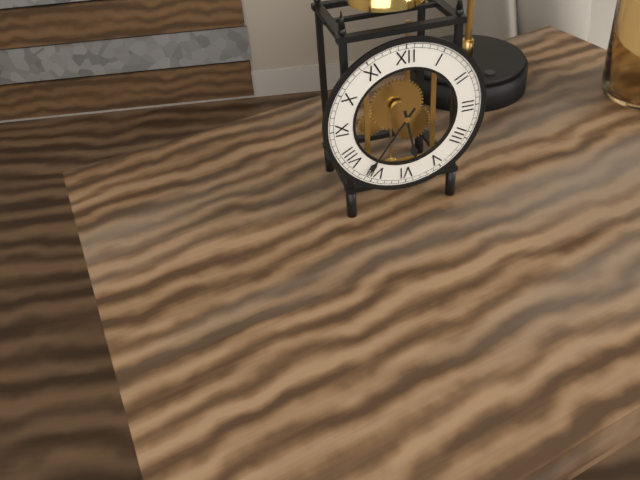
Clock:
h=5 m=36
